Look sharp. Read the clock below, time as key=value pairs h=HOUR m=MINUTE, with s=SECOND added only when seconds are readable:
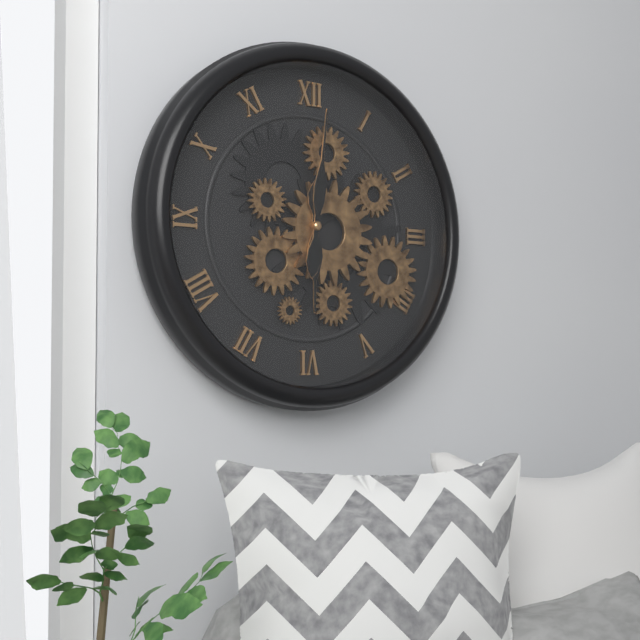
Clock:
h=6 m=1
